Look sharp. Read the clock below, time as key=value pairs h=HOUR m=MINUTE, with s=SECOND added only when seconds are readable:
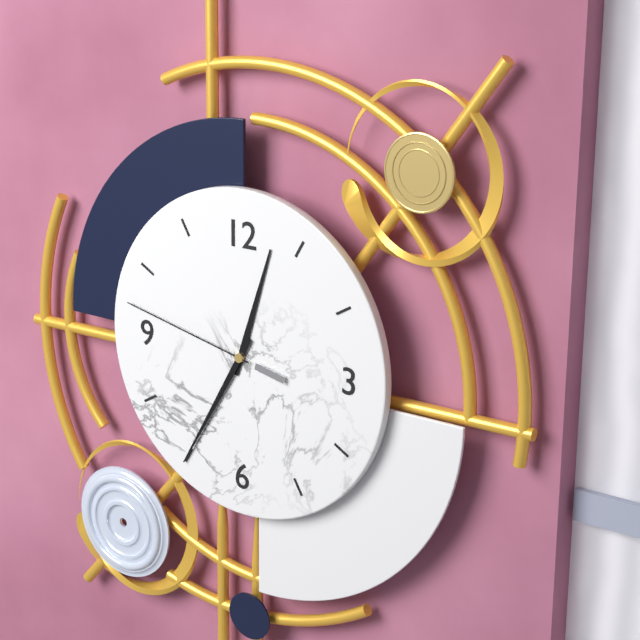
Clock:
h=12 m=35 s=47
